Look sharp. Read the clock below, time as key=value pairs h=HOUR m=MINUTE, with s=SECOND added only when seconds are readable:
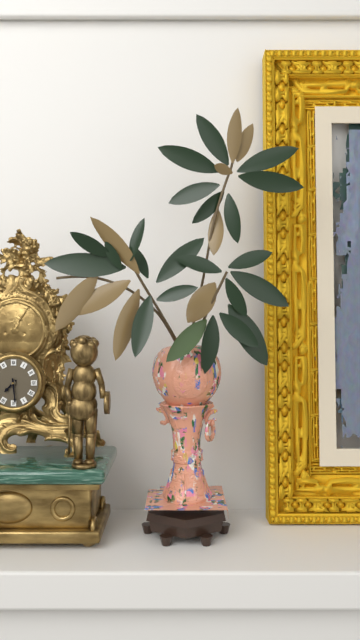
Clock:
h=7 m=29
